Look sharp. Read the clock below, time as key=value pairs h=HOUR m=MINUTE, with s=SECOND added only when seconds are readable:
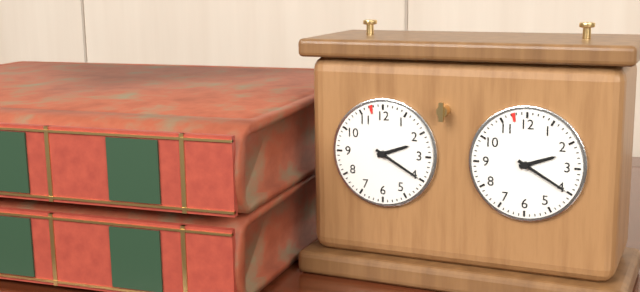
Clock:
h=2 m=20
